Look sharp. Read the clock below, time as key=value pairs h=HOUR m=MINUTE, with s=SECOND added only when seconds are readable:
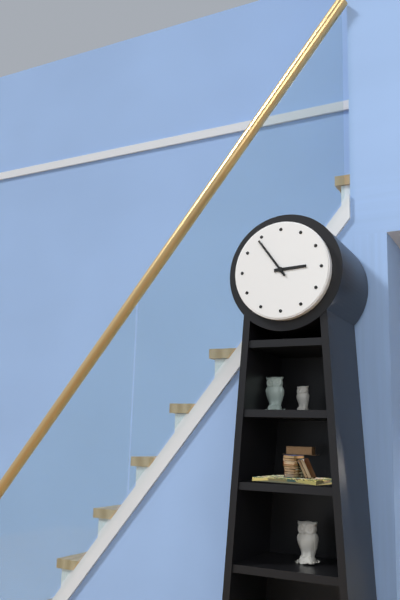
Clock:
h=2 m=54
